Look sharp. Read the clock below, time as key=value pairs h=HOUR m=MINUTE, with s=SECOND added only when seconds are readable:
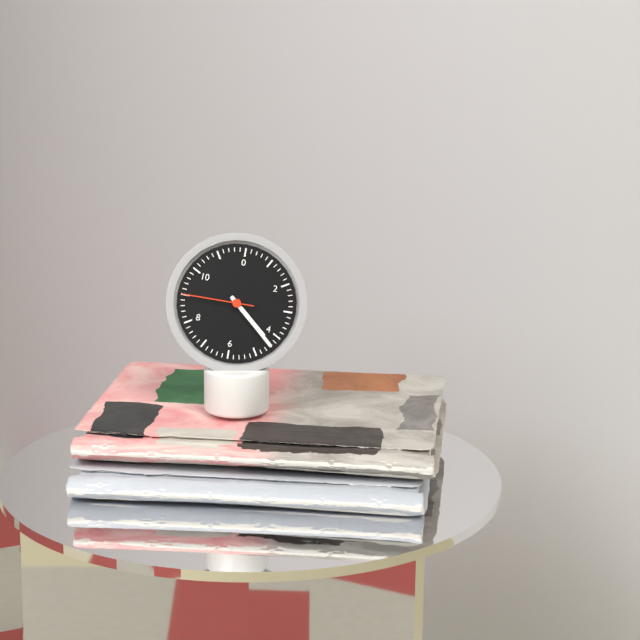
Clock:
h=4 m=22 s=45
